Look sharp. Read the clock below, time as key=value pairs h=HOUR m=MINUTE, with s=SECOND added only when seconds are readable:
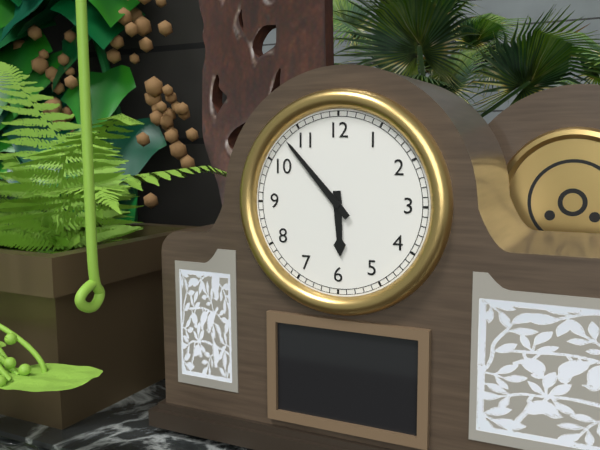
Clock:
h=5 m=53
